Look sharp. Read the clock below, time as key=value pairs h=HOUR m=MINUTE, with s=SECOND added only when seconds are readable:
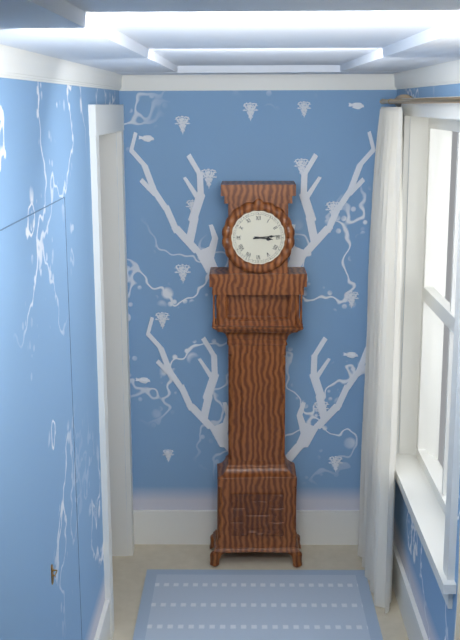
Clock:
h=3 m=14
